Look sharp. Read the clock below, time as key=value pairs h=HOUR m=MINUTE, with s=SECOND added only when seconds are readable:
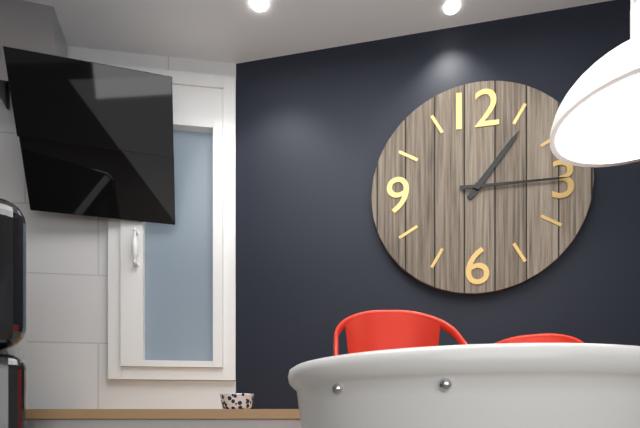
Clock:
h=1 m=15
